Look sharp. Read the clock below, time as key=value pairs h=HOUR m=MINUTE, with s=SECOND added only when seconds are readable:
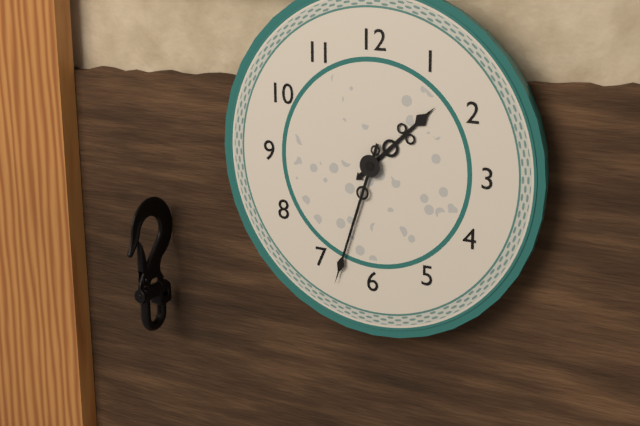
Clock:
h=1 m=33
